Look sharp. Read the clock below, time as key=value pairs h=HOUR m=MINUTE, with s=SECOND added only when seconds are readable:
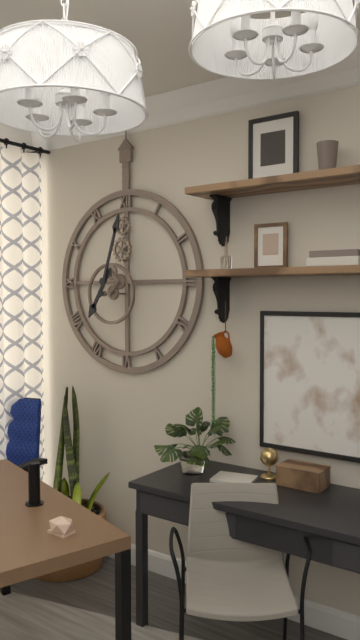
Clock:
h=7 m=3
